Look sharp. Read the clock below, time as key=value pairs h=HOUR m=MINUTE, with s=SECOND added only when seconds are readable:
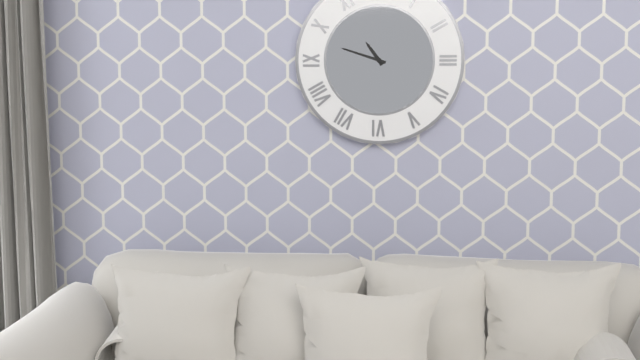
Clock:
h=10 m=48
